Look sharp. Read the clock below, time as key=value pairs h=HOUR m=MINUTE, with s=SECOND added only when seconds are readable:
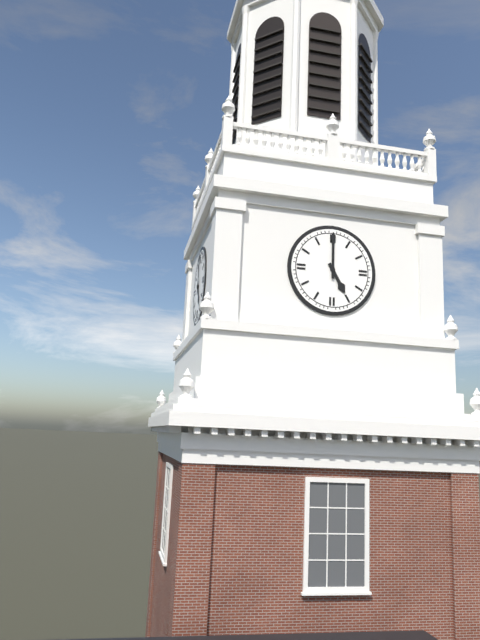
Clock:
h=5 m=0
